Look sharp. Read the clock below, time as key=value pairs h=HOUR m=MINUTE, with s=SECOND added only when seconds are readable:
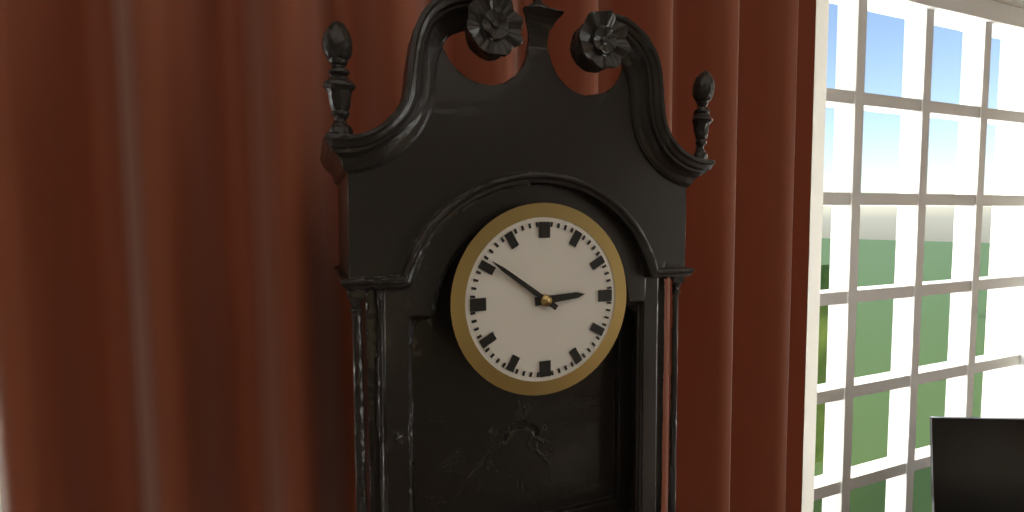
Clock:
h=2 m=51
